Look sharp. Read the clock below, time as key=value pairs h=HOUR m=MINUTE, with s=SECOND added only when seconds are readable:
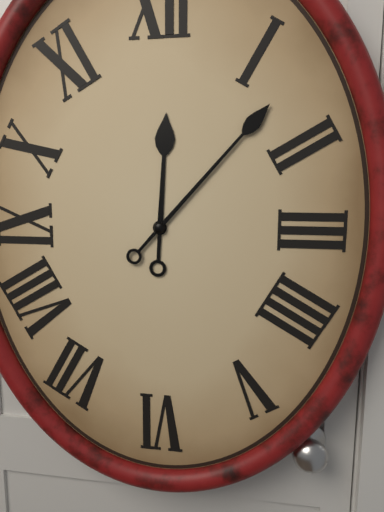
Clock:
h=12 m=7
